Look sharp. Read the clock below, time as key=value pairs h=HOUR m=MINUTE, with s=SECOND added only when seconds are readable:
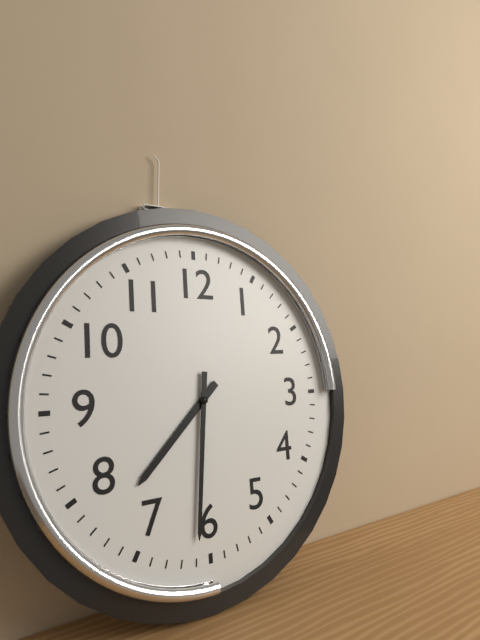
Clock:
h=7 m=31
